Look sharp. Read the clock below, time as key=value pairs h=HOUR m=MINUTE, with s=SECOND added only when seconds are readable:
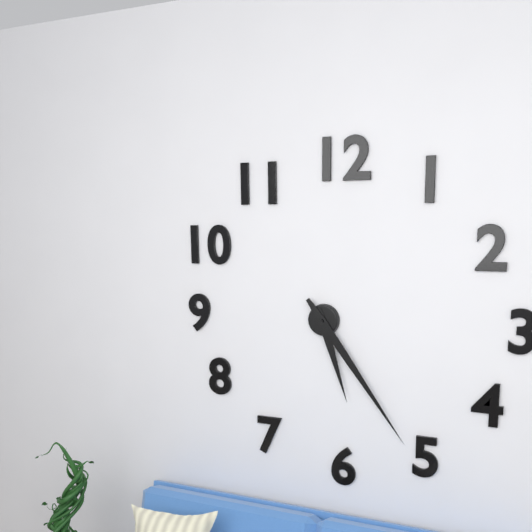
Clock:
h=5 m=24
